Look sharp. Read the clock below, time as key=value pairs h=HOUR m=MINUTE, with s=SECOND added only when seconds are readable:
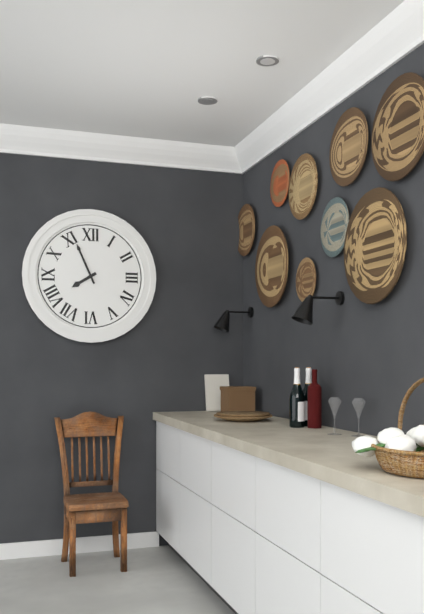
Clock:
h=7 m=56
